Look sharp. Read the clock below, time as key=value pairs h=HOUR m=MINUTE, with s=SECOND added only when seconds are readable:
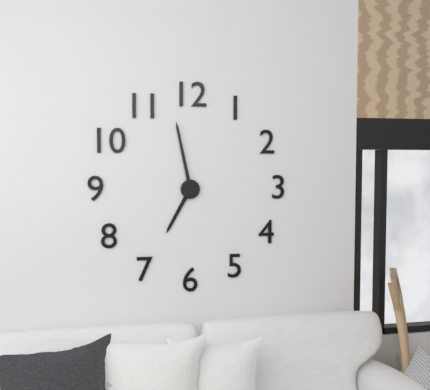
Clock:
h=6 m=58
